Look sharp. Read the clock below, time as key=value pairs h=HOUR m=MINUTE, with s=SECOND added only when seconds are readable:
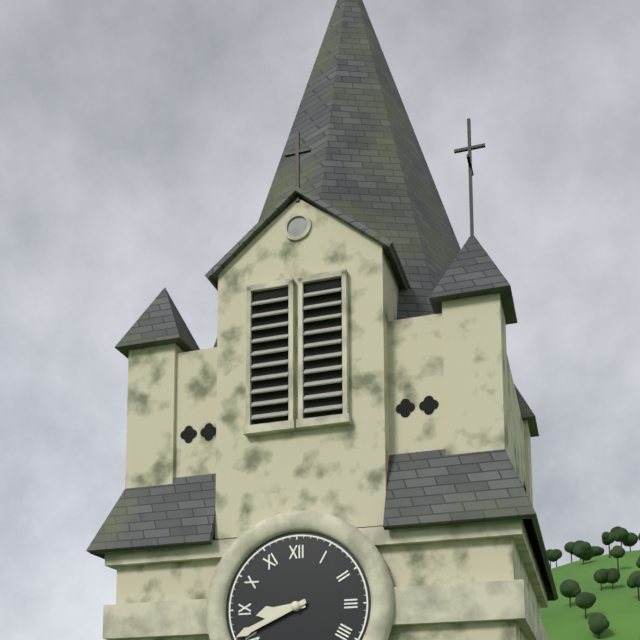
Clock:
h=8 m=41
